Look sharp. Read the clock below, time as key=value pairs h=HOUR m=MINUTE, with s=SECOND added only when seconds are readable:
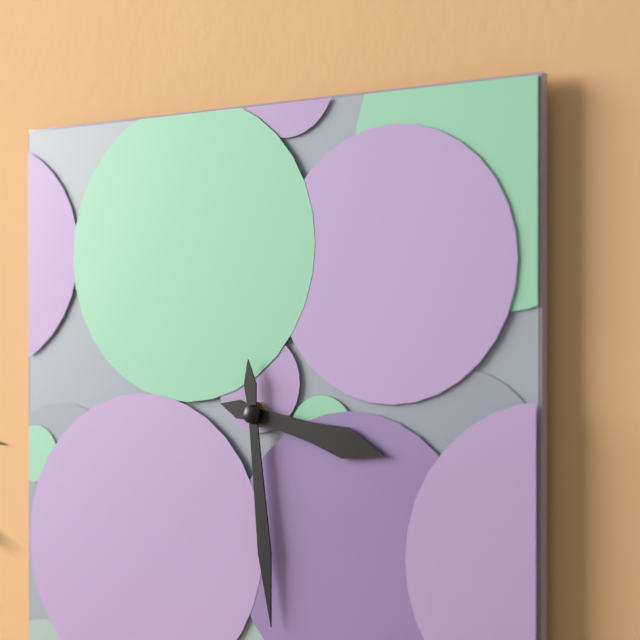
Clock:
h=3 m=29
